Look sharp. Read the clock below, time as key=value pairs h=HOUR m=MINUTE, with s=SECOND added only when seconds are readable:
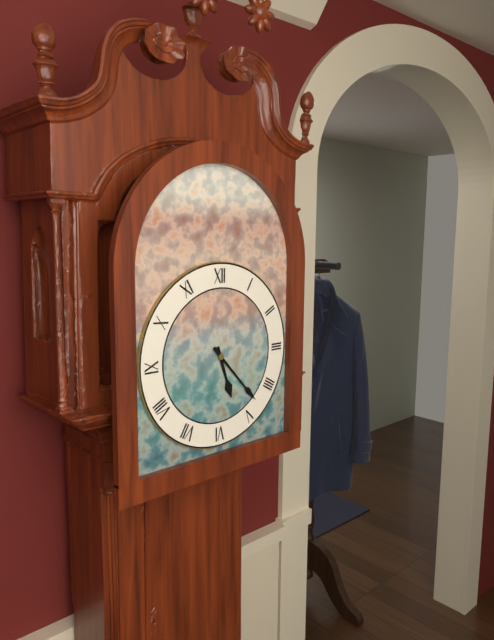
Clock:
h=5 m=23
